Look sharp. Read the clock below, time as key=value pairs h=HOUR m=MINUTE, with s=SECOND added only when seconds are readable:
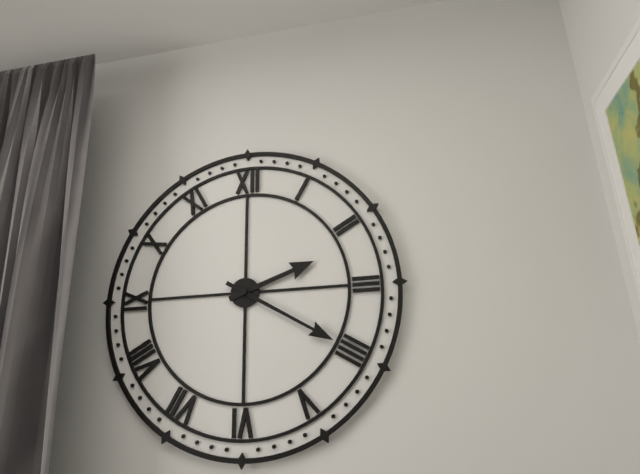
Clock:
h=2 m=20
